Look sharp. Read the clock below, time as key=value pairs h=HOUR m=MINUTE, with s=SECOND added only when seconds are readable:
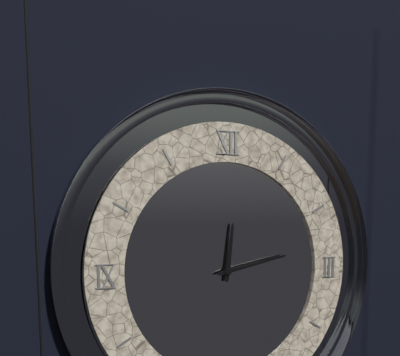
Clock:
h=12 m=13
